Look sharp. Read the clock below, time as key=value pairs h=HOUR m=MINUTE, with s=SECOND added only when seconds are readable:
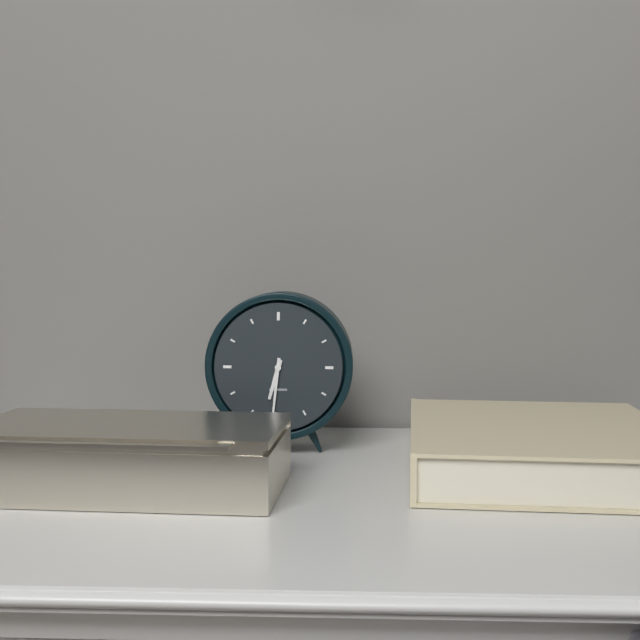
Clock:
h=6 m=31
